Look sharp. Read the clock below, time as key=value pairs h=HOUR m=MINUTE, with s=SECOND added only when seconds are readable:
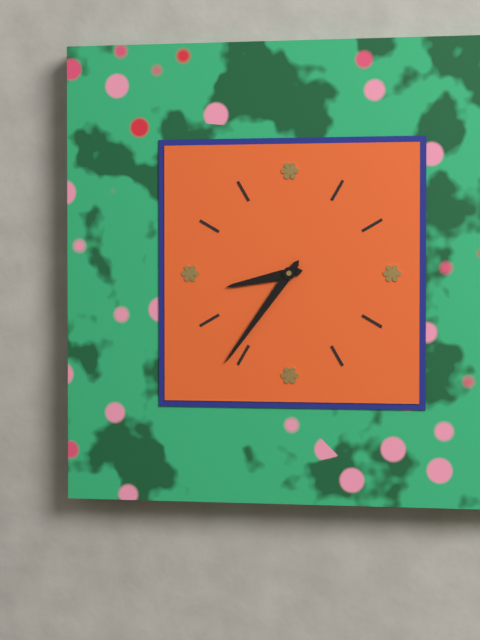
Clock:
h=8 m=36
